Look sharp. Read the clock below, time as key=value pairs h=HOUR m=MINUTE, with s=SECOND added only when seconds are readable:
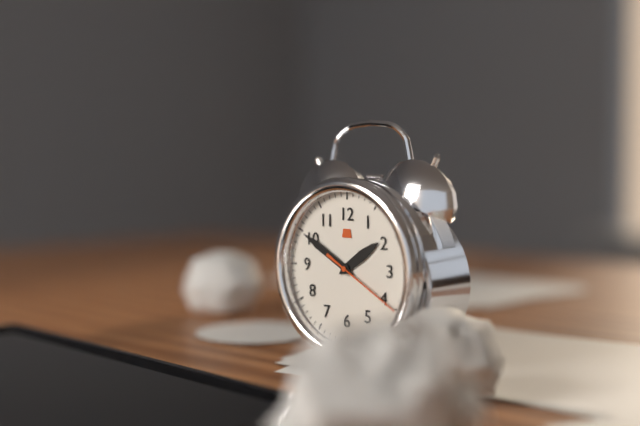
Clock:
h=1 m=50 s=20
